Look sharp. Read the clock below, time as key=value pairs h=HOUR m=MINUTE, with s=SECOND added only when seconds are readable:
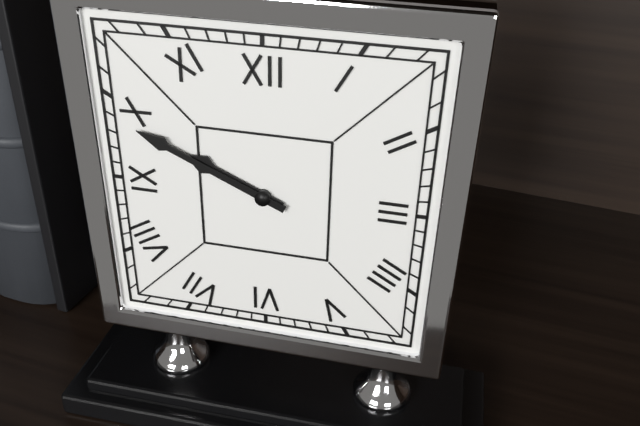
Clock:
h=9 m=49
